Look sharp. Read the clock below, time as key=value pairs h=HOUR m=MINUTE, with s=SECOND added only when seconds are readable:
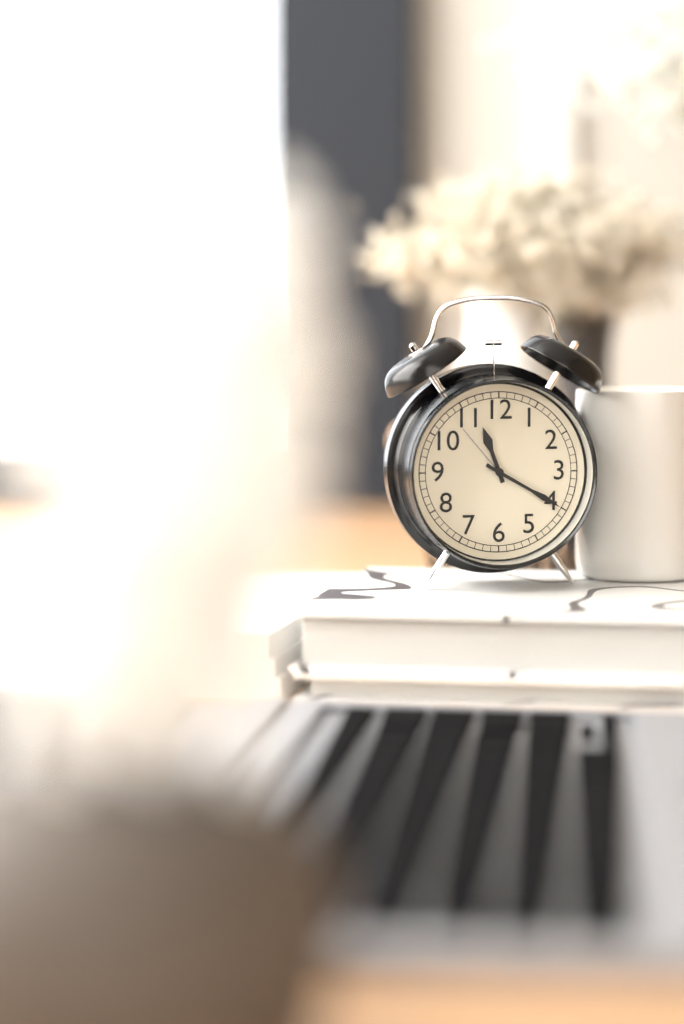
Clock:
h=11 m=20
